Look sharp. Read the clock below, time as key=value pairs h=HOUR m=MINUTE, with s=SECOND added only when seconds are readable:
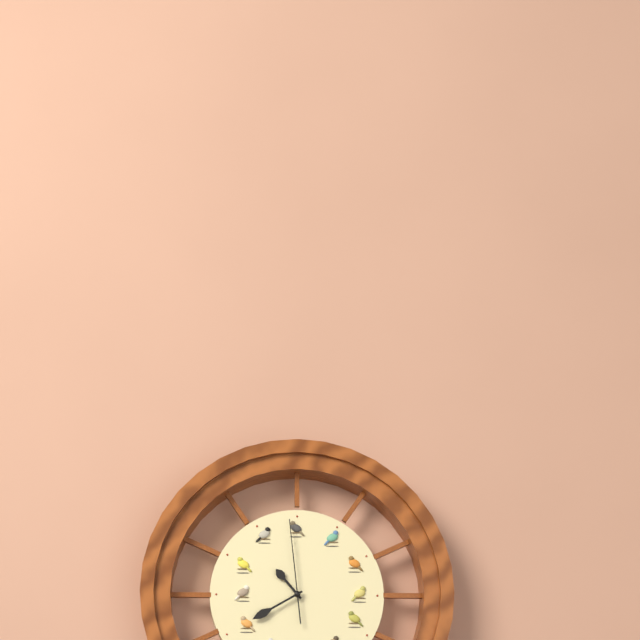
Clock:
h=10 m=40 s=59
